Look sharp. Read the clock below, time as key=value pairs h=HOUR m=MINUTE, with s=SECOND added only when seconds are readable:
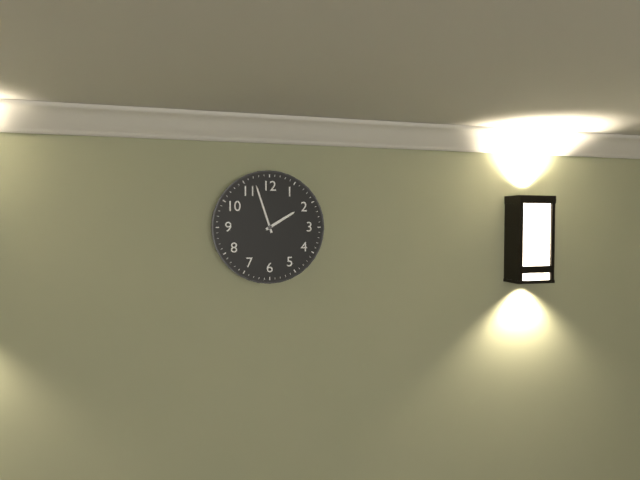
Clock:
h=1 m=57
